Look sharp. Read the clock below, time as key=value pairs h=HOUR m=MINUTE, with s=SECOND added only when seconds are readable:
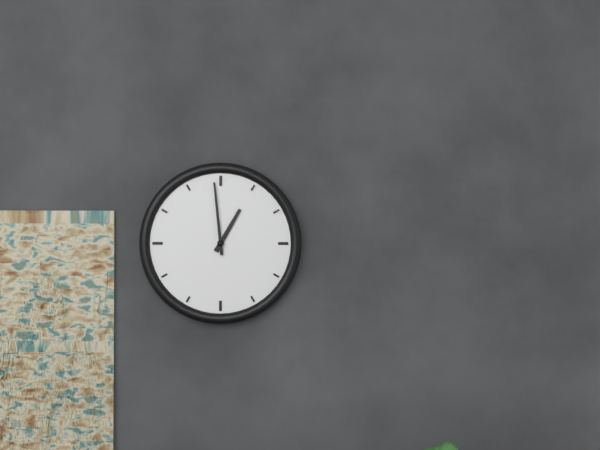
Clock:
h=12 m=59
